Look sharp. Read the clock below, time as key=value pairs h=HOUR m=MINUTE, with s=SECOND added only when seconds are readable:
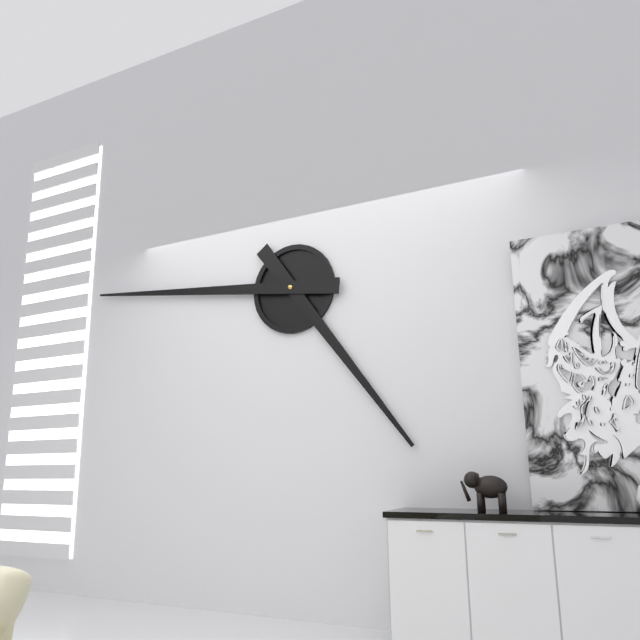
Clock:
h=4 m=46
